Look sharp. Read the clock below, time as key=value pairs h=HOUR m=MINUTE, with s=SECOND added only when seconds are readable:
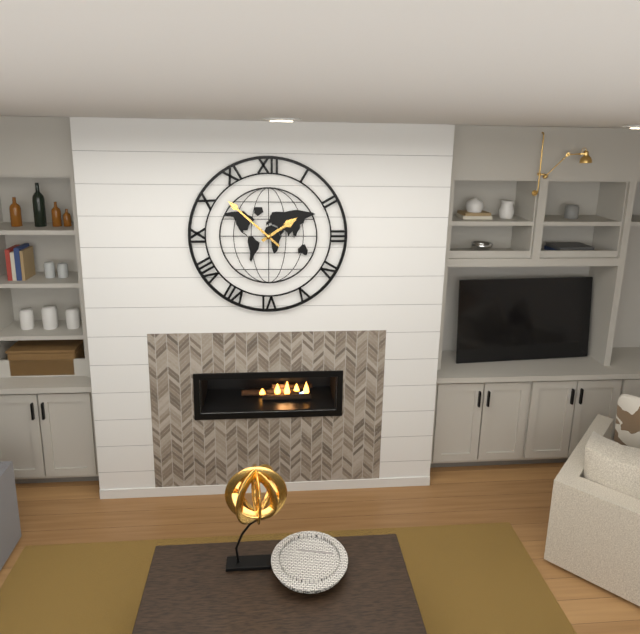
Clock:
h=1 m=52
